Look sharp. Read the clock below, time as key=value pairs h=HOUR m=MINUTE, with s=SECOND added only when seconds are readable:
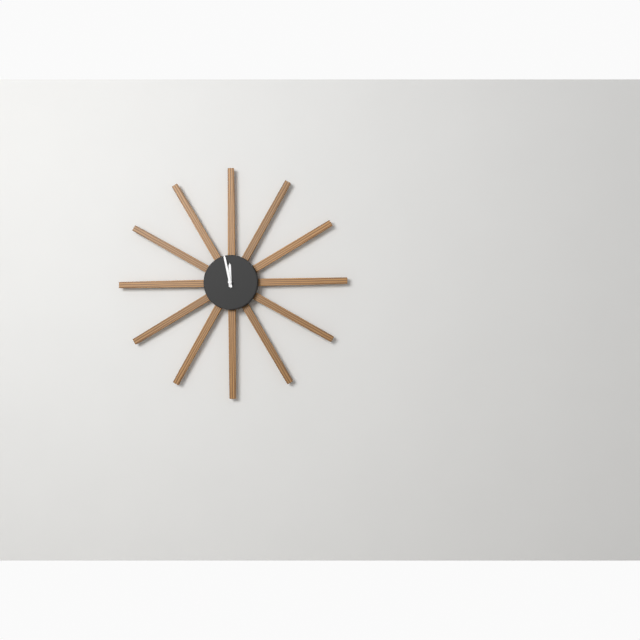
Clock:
h=11 m=58
